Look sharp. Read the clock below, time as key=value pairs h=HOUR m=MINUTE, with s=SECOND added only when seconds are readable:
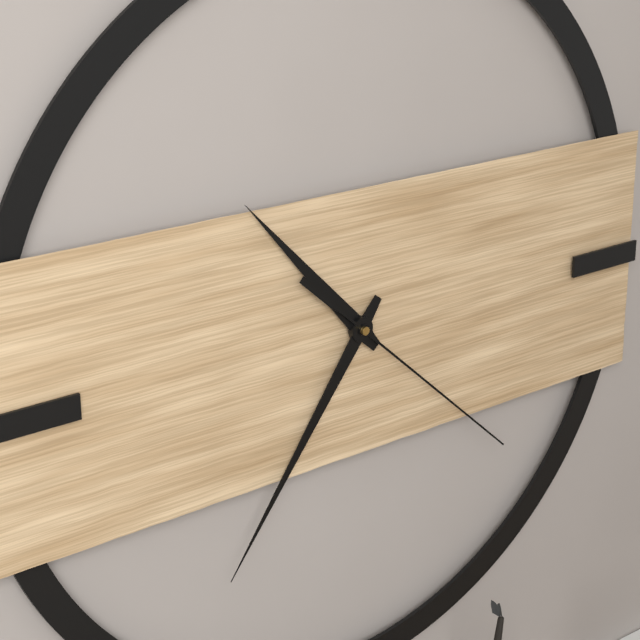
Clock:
h=10 m=36 s=22
